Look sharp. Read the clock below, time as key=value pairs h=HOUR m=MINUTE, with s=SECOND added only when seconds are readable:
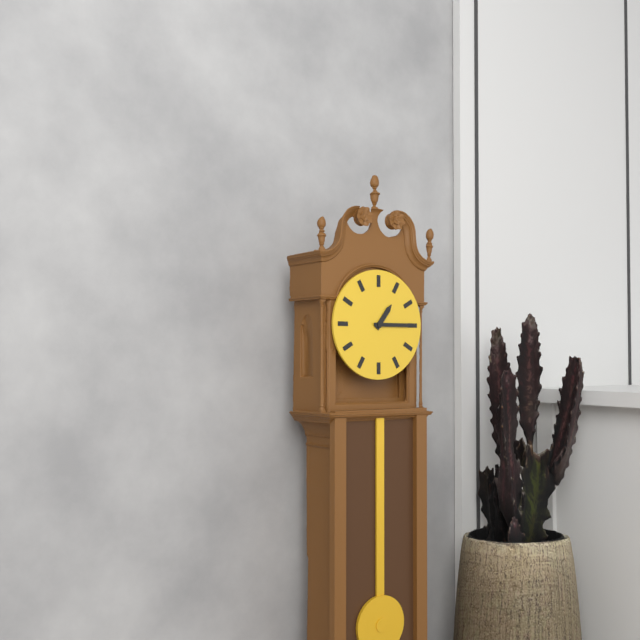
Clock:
h=1 m=15
